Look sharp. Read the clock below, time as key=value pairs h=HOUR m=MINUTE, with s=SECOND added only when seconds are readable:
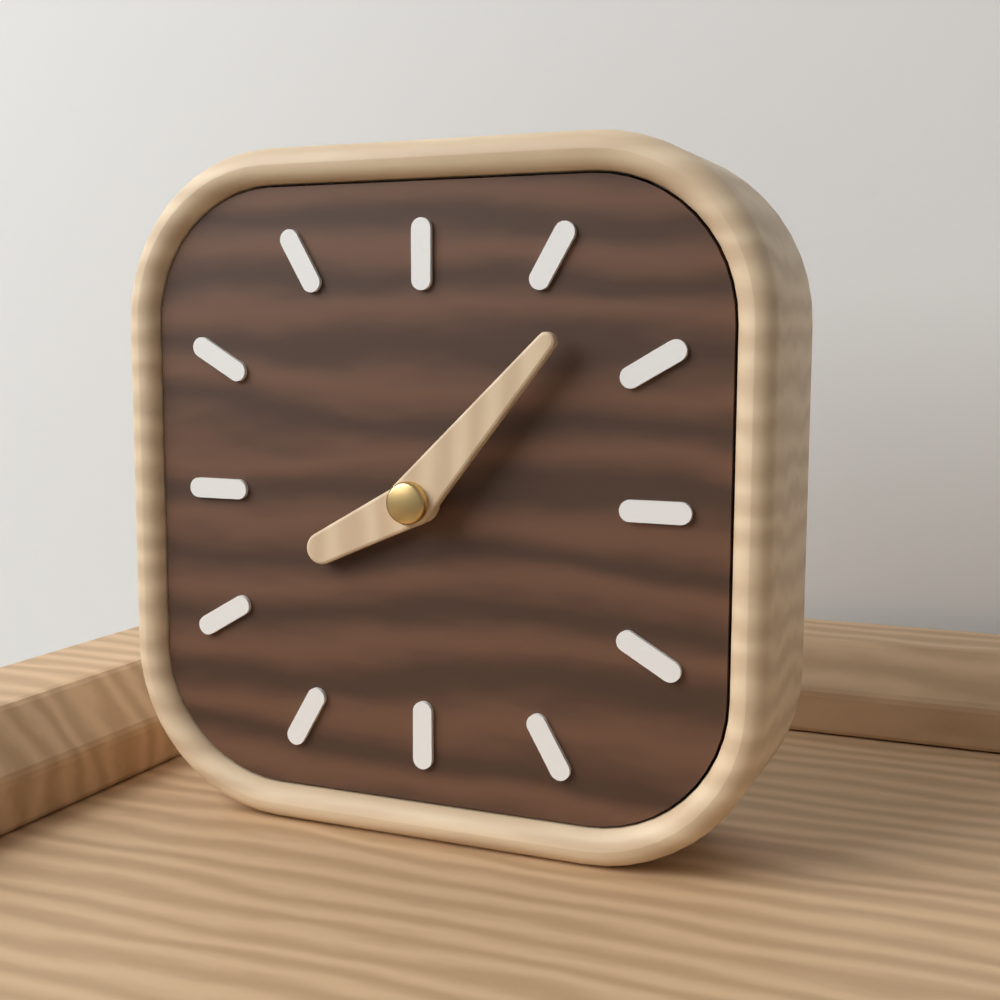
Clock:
h=8 m=7
